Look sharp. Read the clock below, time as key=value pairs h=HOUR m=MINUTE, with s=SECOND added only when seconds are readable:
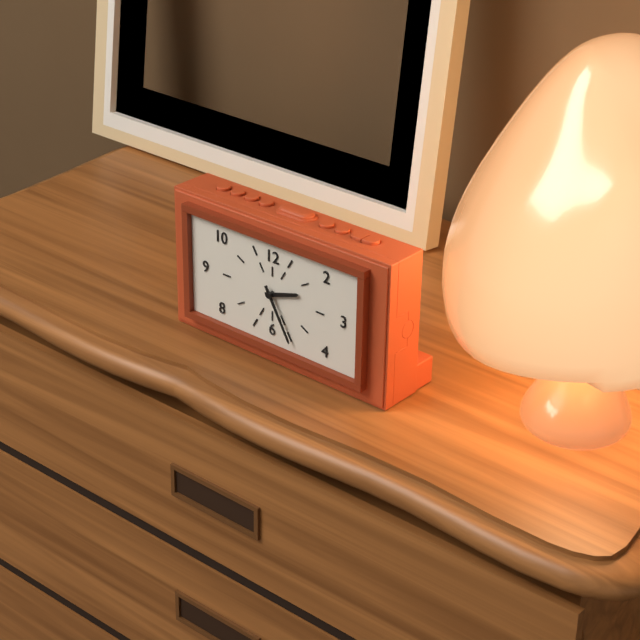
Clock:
h=2 m=25
